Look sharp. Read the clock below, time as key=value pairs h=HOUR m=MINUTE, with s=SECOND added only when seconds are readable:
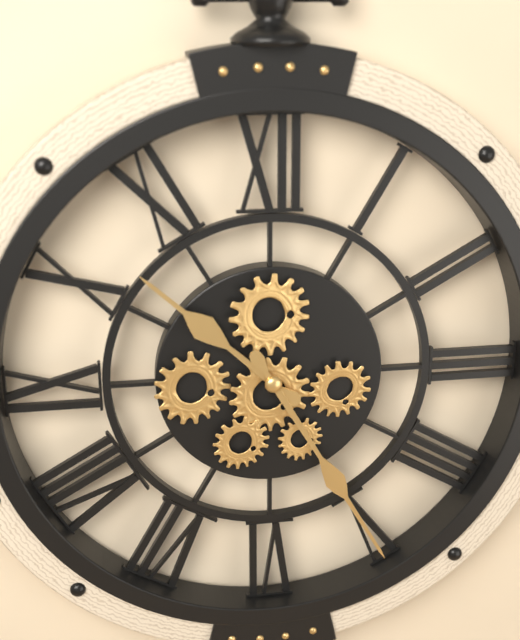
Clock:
h=10 m=25
